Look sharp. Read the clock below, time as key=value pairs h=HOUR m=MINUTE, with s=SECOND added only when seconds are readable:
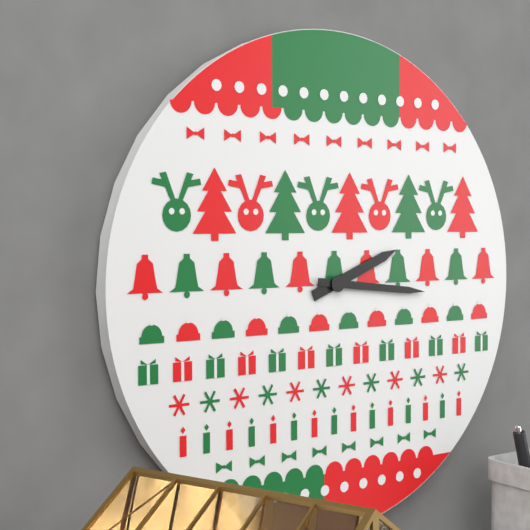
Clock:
h=2 m=16
